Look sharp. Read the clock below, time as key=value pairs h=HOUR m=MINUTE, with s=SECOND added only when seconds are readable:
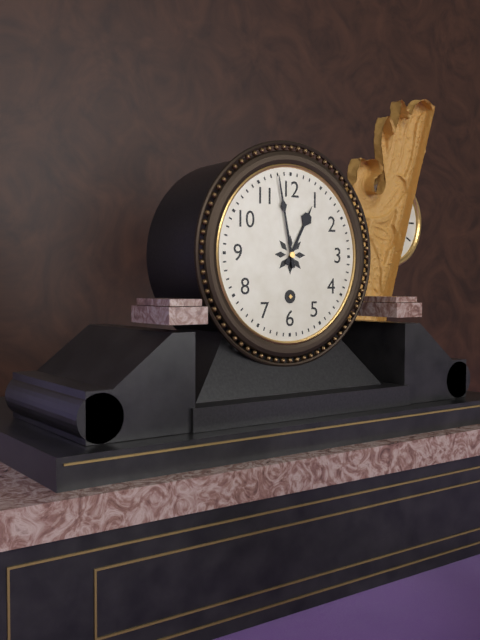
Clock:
h=12 m=58
